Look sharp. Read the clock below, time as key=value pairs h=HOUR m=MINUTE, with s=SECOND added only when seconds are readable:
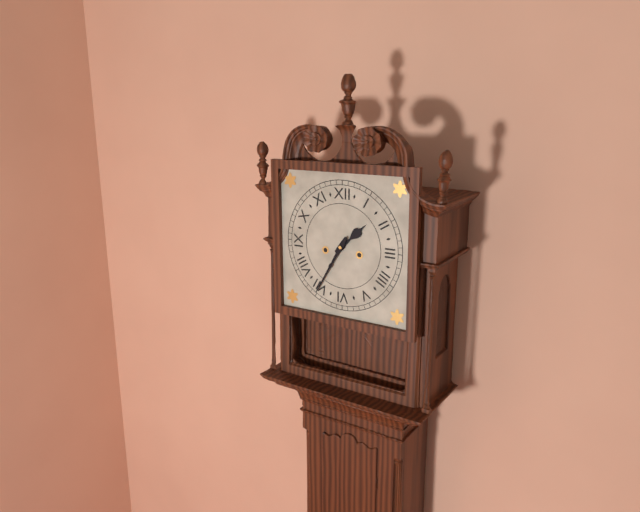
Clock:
h=1 m=35
